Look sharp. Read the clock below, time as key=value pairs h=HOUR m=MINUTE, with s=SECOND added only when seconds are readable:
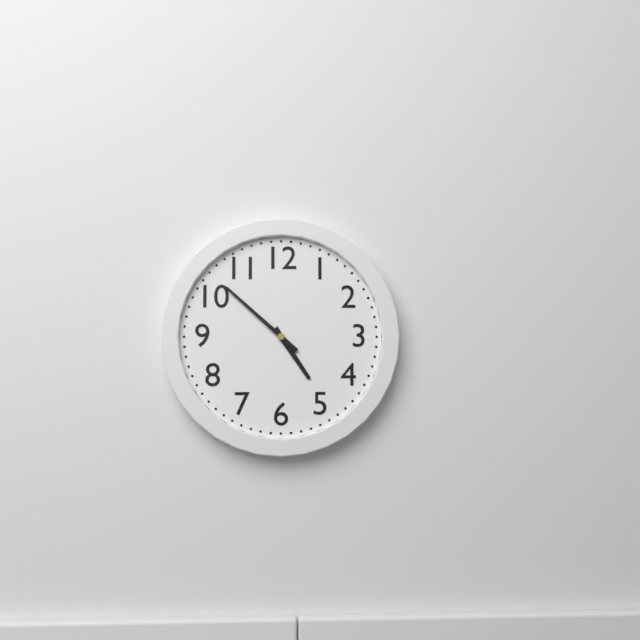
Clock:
h=4 m=52
